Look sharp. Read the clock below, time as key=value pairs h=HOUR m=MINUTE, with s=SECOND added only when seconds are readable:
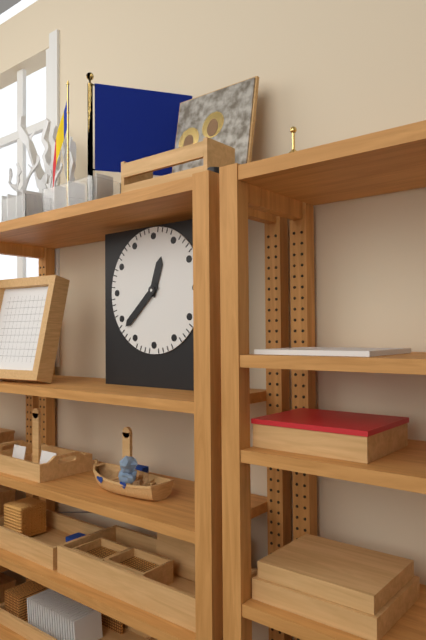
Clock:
h=12 m=38
